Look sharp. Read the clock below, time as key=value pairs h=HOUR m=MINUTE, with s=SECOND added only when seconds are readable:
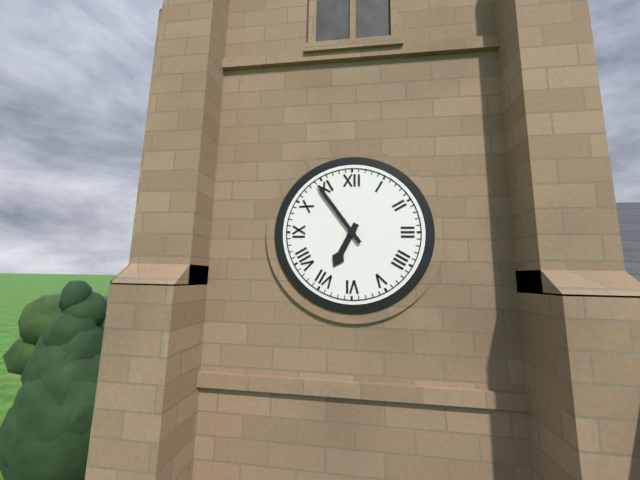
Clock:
h=6 m=54
